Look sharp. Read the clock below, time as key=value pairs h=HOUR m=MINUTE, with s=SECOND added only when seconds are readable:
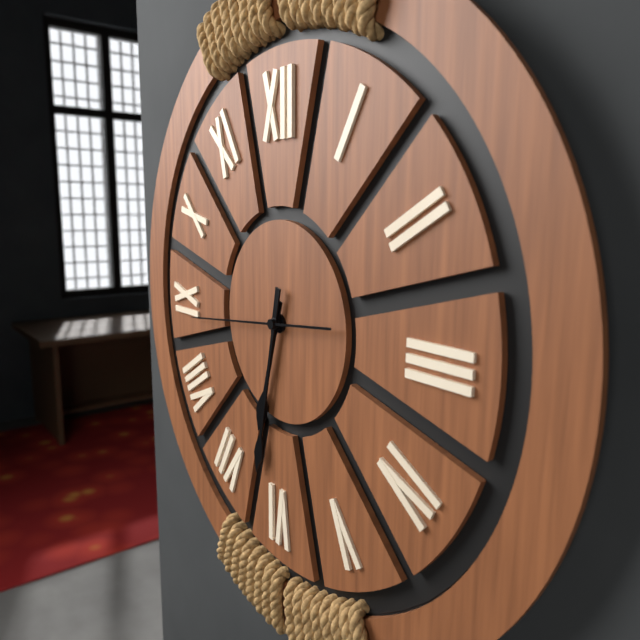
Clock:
h=6 m=32 s=44
